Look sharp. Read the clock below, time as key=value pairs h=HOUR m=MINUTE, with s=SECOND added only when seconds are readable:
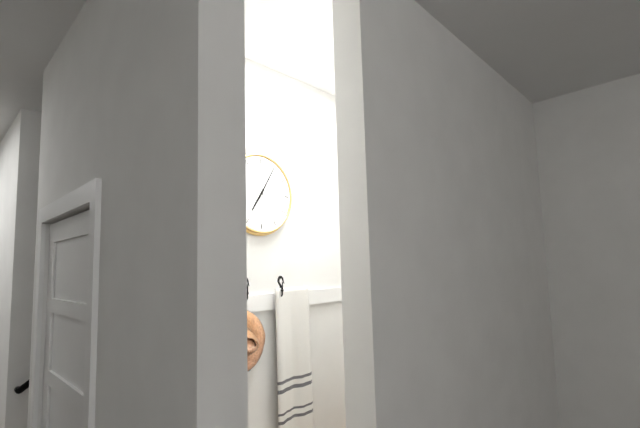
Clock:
h=7 m=5
